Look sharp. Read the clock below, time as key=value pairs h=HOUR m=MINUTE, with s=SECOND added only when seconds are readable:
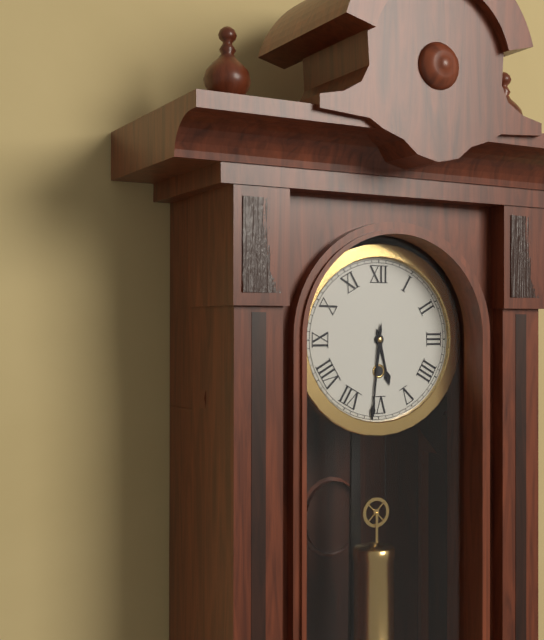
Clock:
h=5 m=31
